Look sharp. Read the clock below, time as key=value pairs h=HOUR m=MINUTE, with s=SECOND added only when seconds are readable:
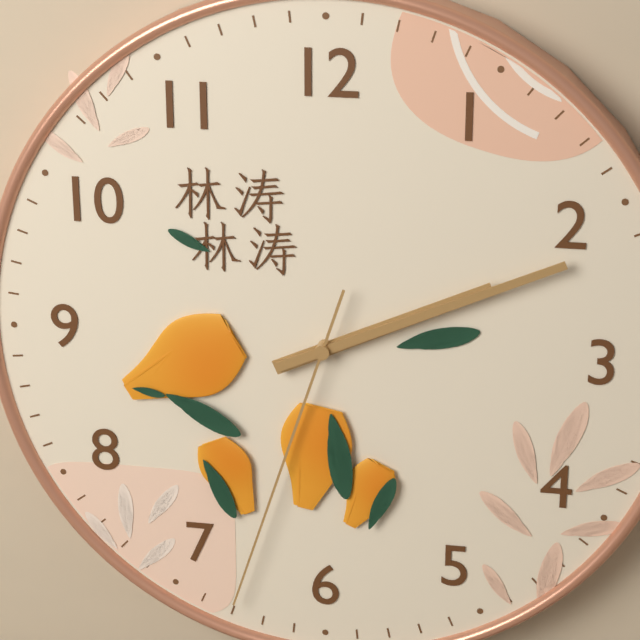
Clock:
h=2 m=11 s=33
